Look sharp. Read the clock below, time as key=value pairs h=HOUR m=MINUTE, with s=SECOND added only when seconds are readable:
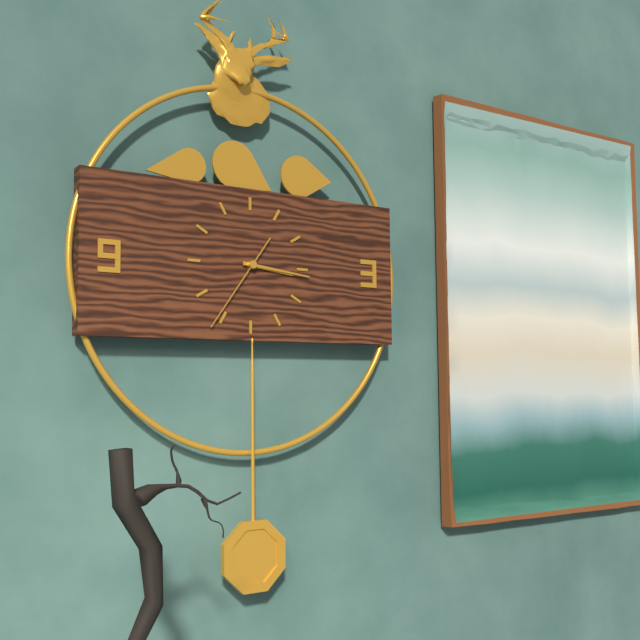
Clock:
h=3 m=16 s=36
